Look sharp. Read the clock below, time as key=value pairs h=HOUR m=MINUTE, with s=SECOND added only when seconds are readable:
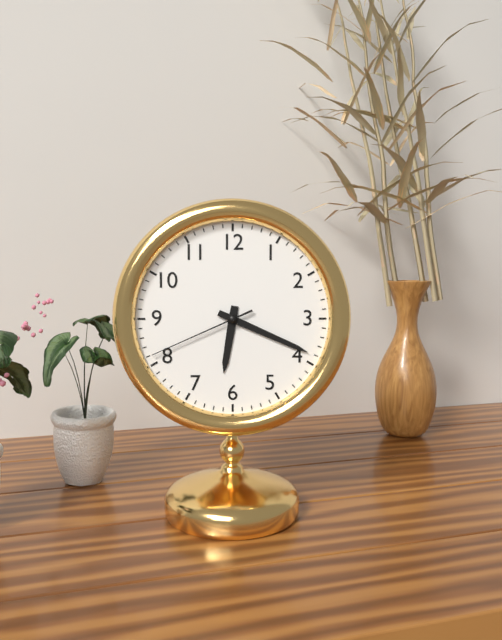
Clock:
h=6 m=19 s=41
